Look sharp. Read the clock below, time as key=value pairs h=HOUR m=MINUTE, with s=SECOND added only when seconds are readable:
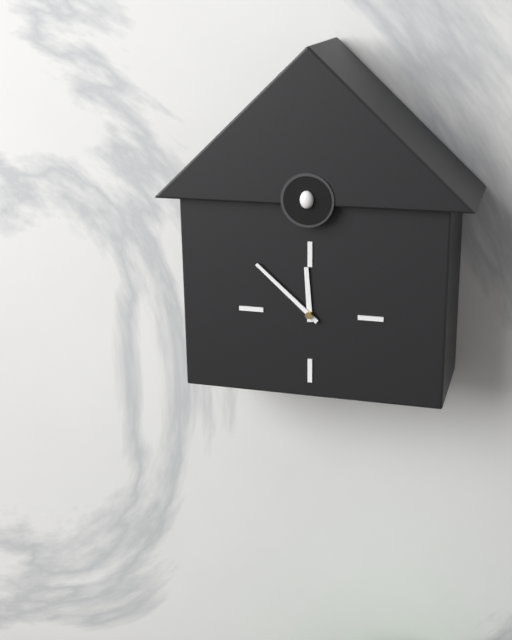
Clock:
h=11 m=52
